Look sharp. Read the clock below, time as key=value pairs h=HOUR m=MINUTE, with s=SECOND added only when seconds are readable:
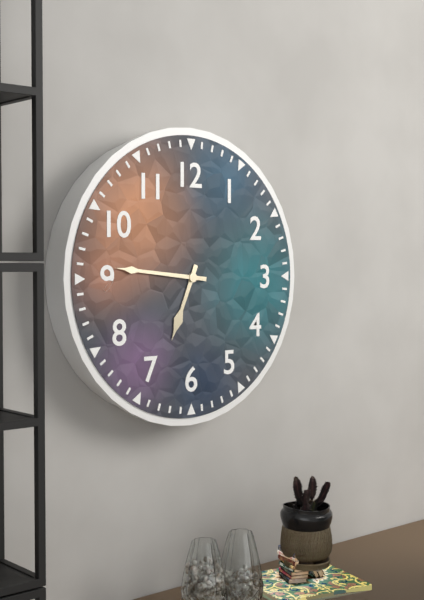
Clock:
h=6 m=46
